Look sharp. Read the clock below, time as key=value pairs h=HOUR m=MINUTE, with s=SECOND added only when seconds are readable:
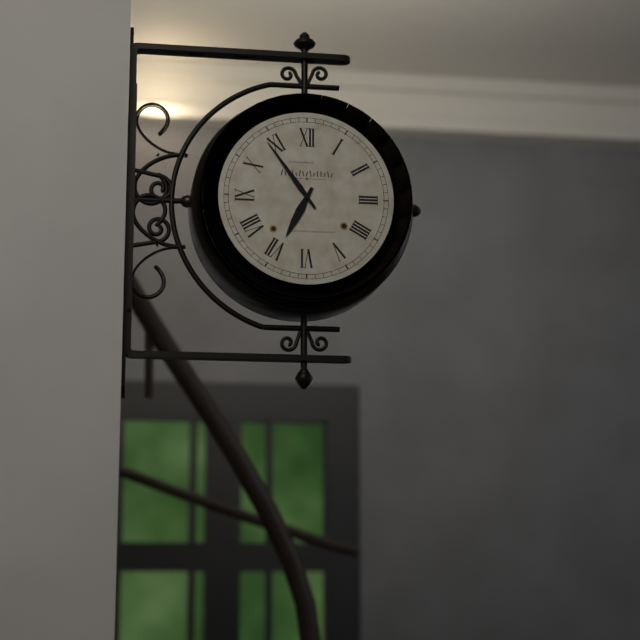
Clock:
h=6 m=54
